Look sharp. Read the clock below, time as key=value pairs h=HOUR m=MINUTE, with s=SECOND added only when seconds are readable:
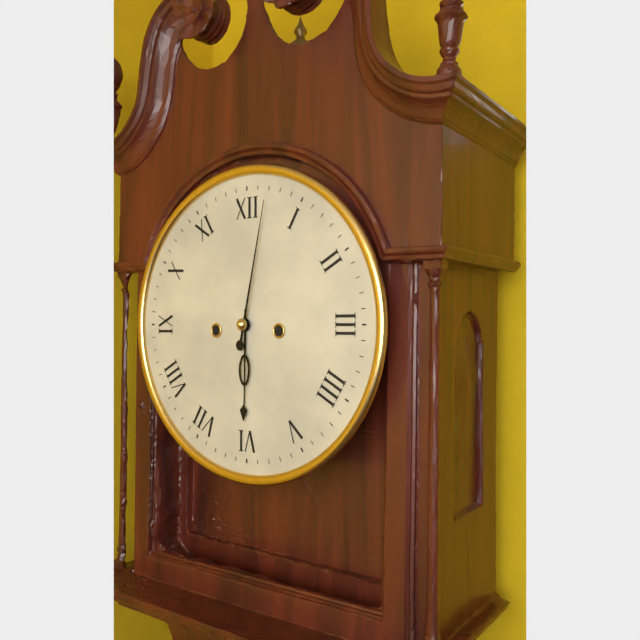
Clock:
h=6 m=2
